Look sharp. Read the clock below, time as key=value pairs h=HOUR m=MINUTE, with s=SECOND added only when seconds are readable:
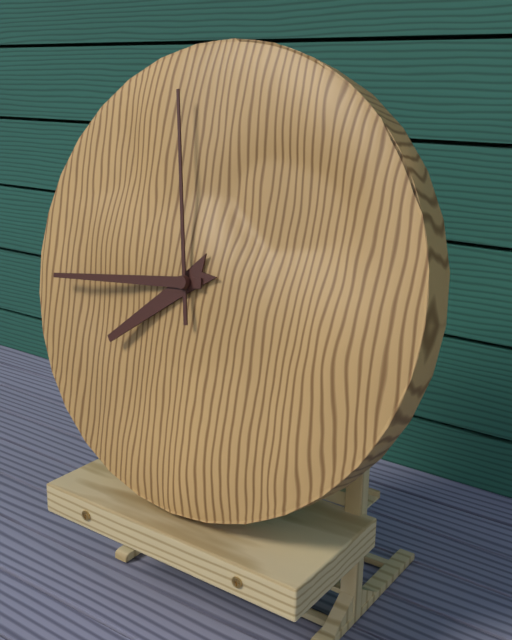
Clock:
h=7 m=44 s=58
